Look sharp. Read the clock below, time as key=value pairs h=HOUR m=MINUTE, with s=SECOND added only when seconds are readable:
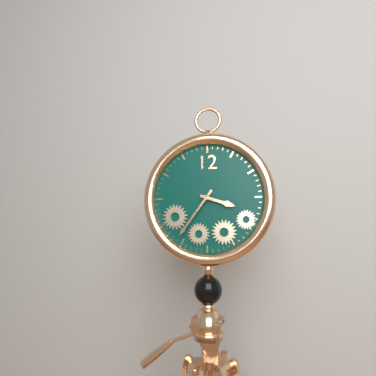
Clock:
h=3 m=36
